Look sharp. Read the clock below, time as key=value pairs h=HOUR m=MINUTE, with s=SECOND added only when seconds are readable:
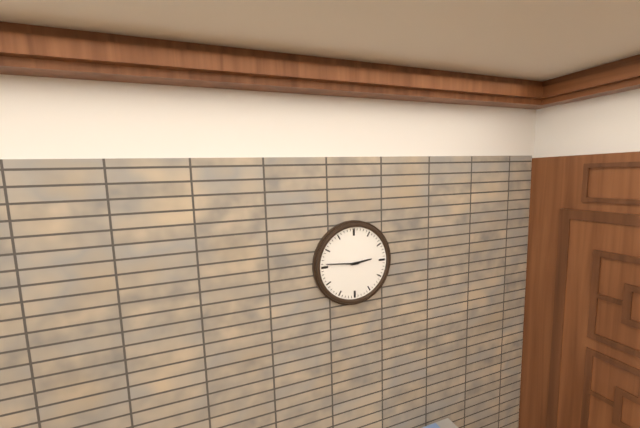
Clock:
h=2 m=46
